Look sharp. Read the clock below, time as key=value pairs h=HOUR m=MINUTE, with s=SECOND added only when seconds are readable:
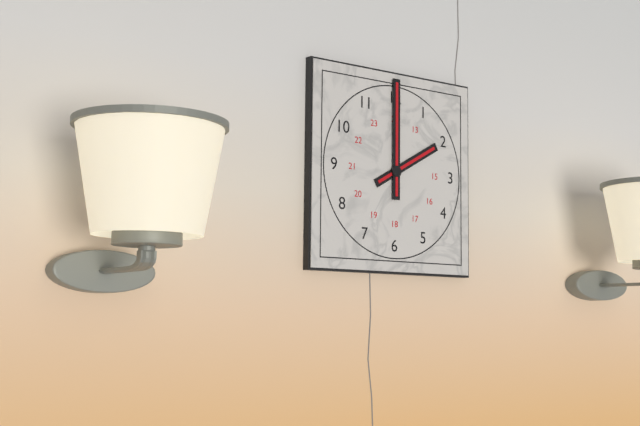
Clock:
h=2 m=0
